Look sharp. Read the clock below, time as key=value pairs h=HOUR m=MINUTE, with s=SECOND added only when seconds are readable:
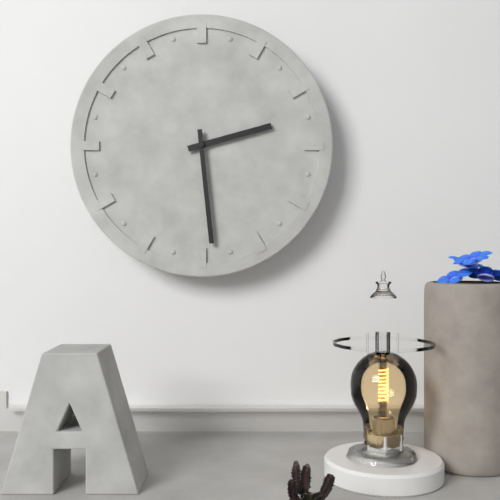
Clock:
h=2 m=29
